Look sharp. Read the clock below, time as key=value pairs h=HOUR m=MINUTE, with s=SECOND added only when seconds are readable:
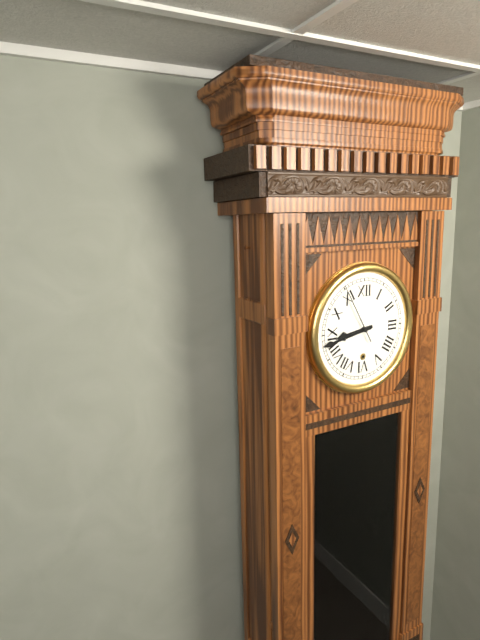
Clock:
h=8 m=43 s=55
